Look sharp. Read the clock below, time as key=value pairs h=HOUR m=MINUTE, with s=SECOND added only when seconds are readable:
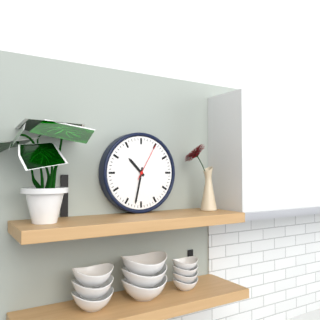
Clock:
h=10 m=32
